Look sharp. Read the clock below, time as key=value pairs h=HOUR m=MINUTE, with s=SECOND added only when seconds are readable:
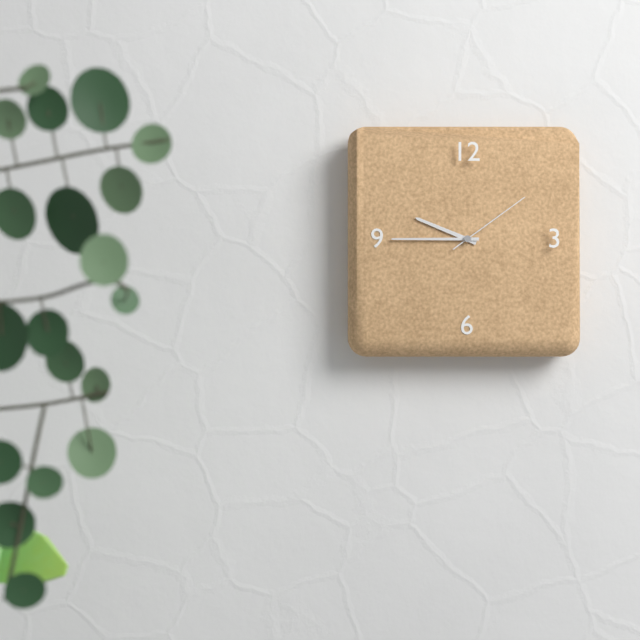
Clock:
h=9 m=45 s=9
